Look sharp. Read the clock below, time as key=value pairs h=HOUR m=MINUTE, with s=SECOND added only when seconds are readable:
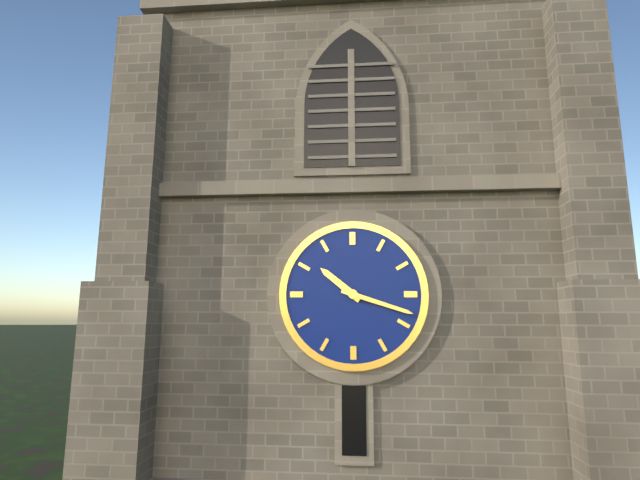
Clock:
h=10 m=18
